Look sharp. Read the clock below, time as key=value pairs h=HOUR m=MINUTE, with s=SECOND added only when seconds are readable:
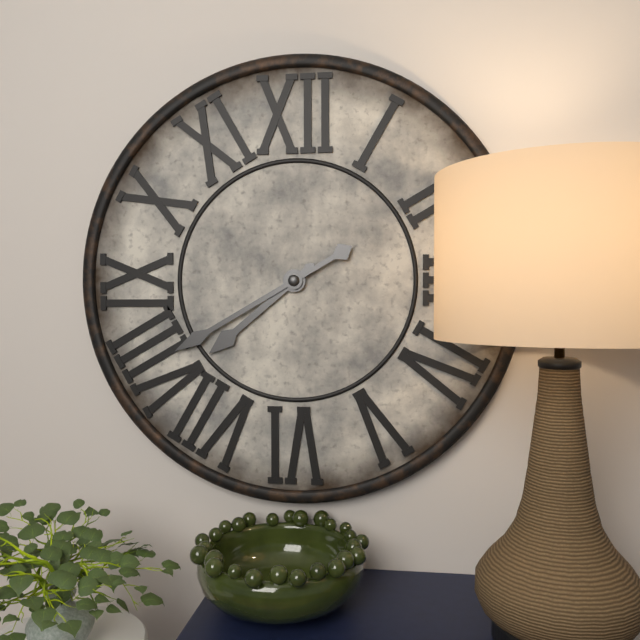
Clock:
h=7 m=40
